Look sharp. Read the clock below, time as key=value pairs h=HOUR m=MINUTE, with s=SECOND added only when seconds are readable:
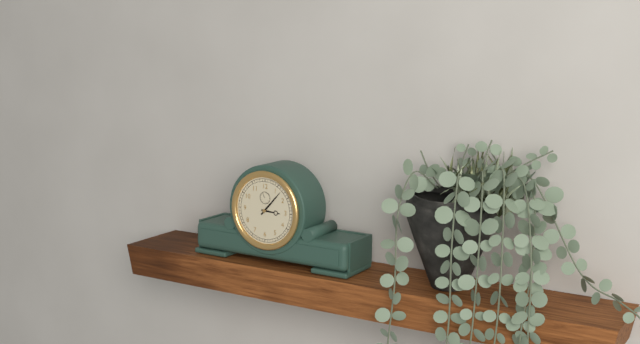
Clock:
h=3 m=7
